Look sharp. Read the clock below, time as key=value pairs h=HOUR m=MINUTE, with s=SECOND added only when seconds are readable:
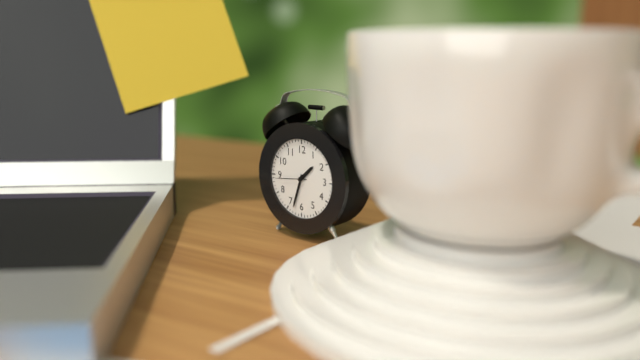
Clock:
h=1 m=33
